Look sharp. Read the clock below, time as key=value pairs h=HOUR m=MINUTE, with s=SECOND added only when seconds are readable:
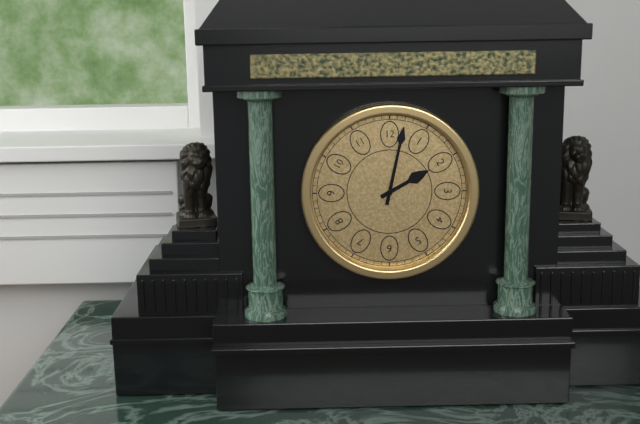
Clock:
h=2 m=2
